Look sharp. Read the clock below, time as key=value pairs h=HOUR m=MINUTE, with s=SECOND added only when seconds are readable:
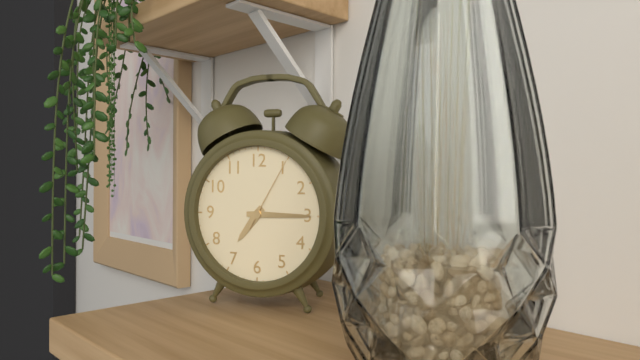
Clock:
h=7 m=15 s=5
